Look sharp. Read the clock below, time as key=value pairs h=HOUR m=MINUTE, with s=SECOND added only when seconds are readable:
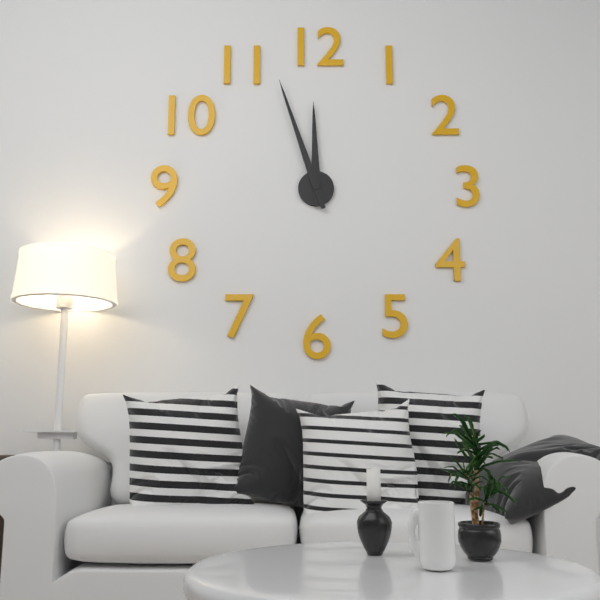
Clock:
h=11 m=57
